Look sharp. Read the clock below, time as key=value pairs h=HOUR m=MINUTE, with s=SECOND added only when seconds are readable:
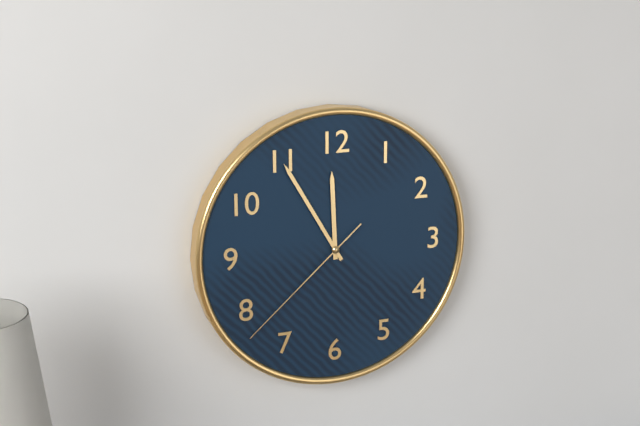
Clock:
h=11 m=55 s=38
